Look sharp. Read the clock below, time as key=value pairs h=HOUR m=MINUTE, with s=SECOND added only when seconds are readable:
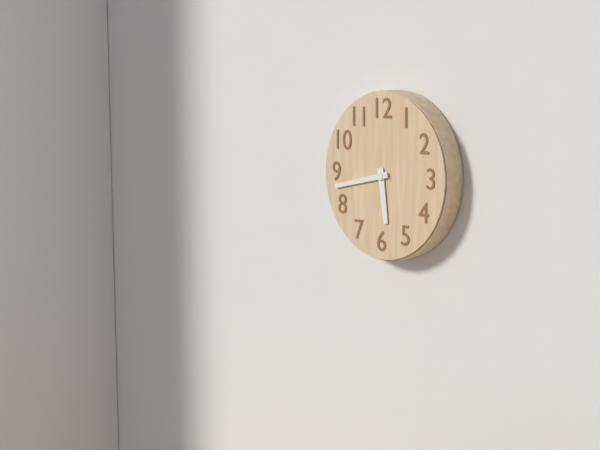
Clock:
h=5 m=43
